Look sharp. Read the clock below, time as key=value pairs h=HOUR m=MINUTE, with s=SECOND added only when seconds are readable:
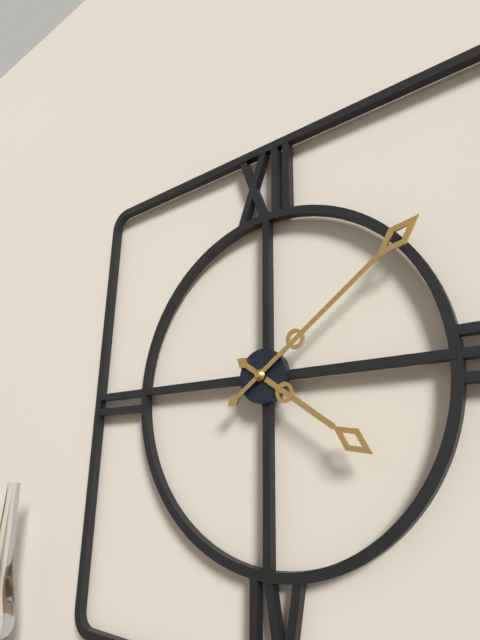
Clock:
h=4 m=9
